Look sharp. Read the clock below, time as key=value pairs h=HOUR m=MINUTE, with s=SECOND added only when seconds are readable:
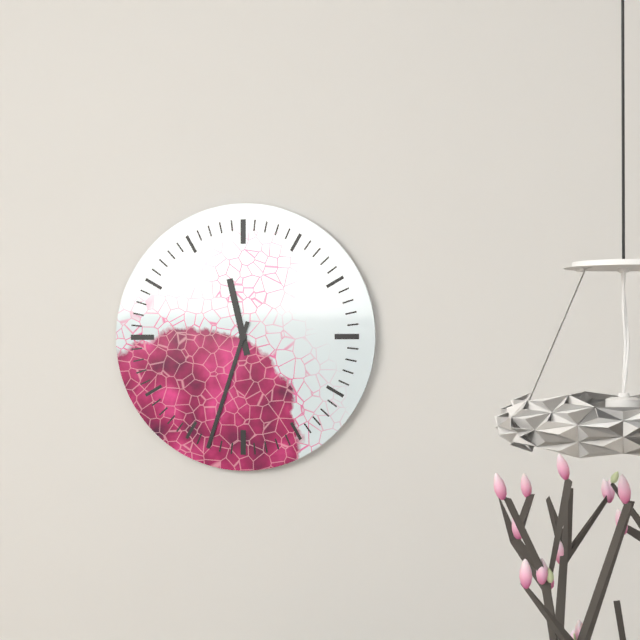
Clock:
h=11 m=33
